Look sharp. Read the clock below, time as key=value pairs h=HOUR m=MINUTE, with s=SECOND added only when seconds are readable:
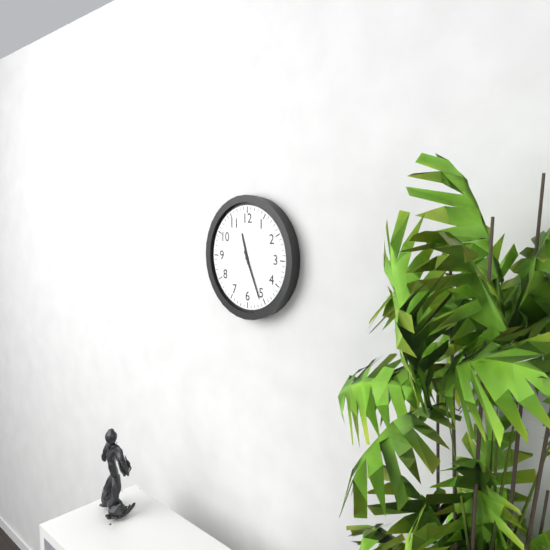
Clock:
h=11 m=26
